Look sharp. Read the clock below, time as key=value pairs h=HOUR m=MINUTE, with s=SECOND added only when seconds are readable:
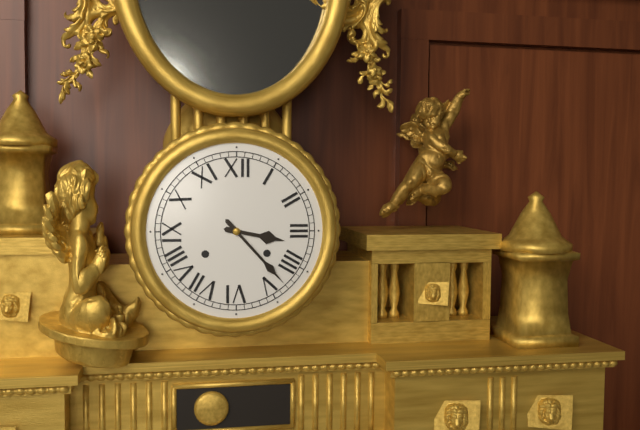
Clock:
h=3 m=23
